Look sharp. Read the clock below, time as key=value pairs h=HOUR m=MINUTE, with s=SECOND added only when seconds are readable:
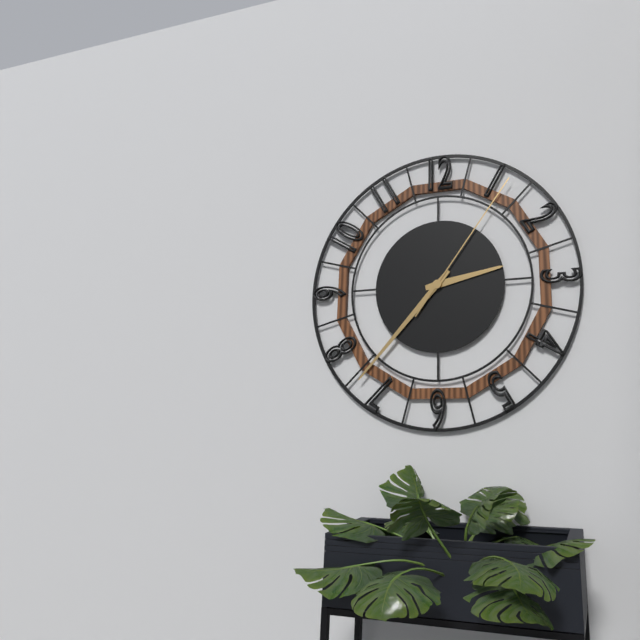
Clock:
h=2 m=37 s=6
